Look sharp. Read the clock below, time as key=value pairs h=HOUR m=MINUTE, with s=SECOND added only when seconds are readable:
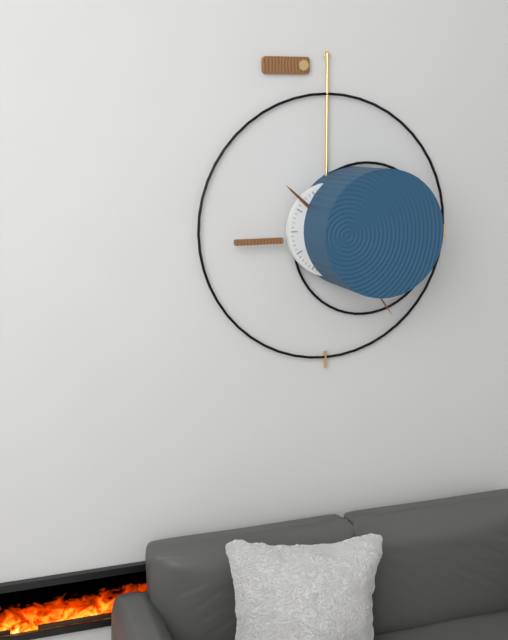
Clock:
h=10 m=24
